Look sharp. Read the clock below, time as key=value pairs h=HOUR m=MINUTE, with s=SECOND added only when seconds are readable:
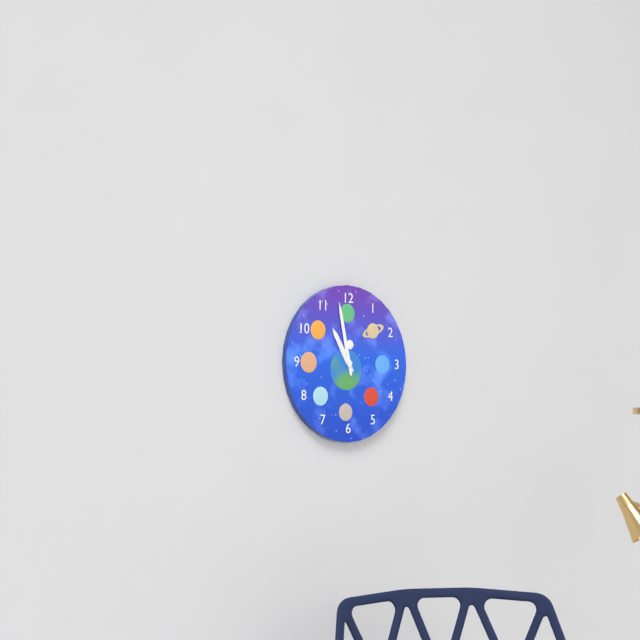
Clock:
h=10 m=58
